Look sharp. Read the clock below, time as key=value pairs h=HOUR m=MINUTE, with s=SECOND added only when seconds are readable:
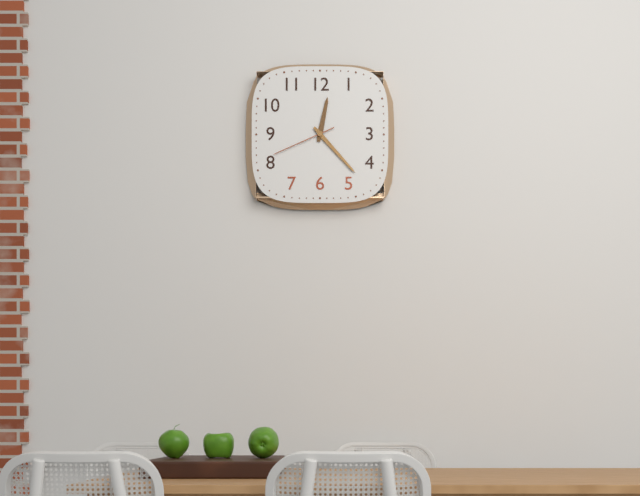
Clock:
h=12 m=23 s=41
